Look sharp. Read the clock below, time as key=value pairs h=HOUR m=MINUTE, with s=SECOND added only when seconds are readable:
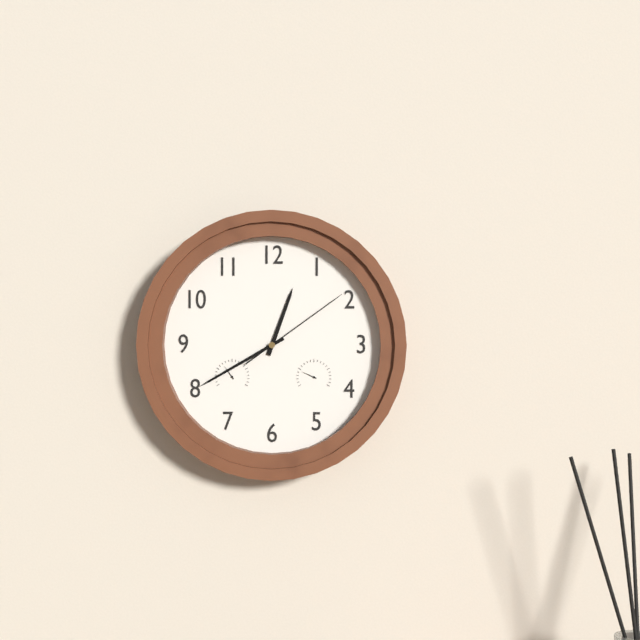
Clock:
h=12 m=40 s=9
